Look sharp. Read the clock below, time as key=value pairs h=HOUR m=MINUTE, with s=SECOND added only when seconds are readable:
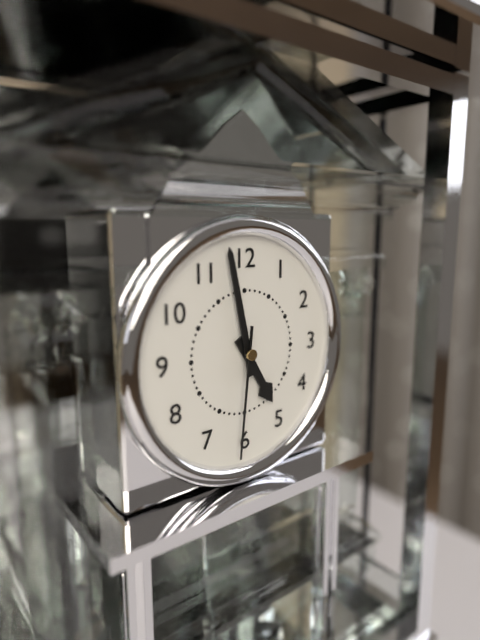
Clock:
h=4 m=58 s=31
